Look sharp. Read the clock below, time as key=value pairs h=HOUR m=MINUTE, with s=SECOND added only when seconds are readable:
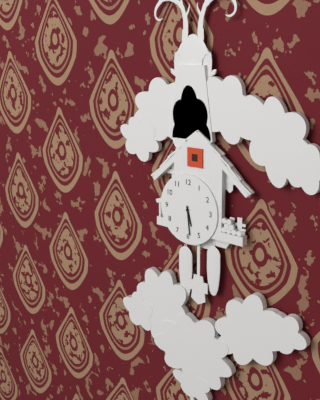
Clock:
h=5 m=29
